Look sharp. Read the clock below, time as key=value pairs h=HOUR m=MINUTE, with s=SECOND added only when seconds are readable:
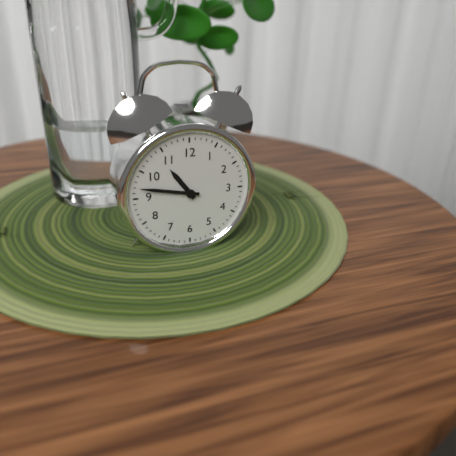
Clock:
h=10 m=47
